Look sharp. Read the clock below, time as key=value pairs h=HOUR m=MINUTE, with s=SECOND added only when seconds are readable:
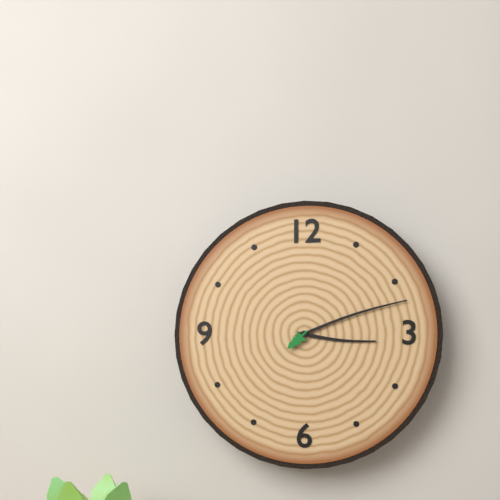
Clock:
h=3 m=12
